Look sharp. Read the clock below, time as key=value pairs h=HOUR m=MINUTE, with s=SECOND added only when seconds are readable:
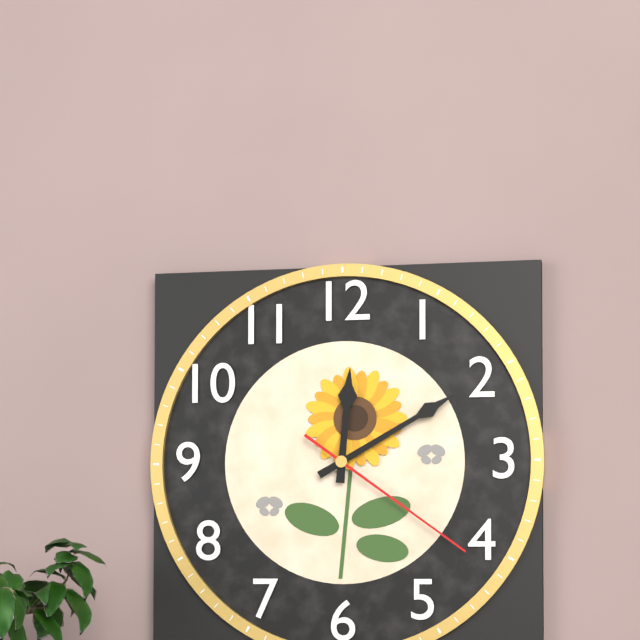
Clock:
h=12 m=10 s=21
